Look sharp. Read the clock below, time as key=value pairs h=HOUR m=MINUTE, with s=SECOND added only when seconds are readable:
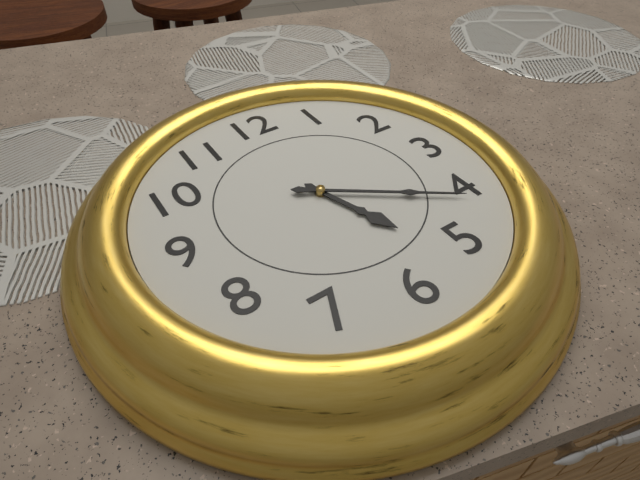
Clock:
h=5 m=21
